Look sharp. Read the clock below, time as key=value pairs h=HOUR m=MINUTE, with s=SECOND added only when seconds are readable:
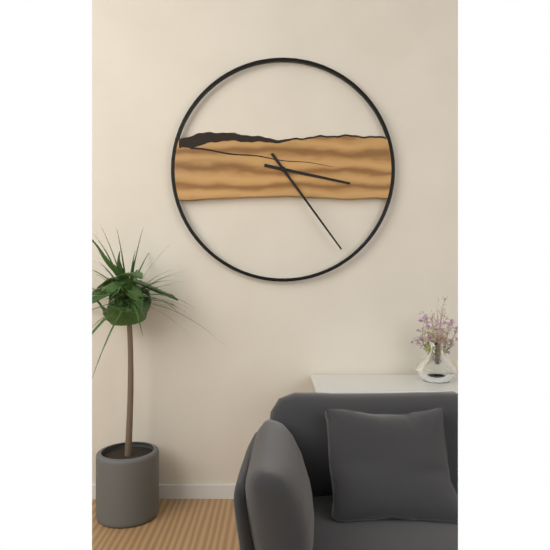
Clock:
h=3 m=24
